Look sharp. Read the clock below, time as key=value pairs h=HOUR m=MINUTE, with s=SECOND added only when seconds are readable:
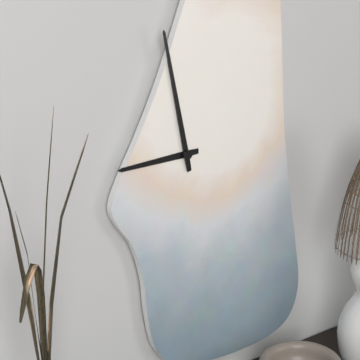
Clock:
h=8 m=58
